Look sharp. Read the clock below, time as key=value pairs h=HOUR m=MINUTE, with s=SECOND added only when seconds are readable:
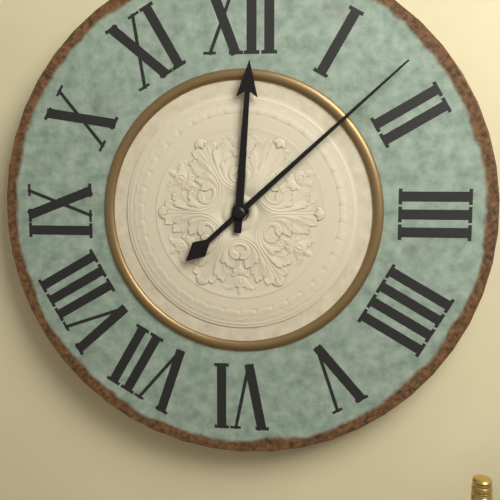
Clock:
h=12 m=8
